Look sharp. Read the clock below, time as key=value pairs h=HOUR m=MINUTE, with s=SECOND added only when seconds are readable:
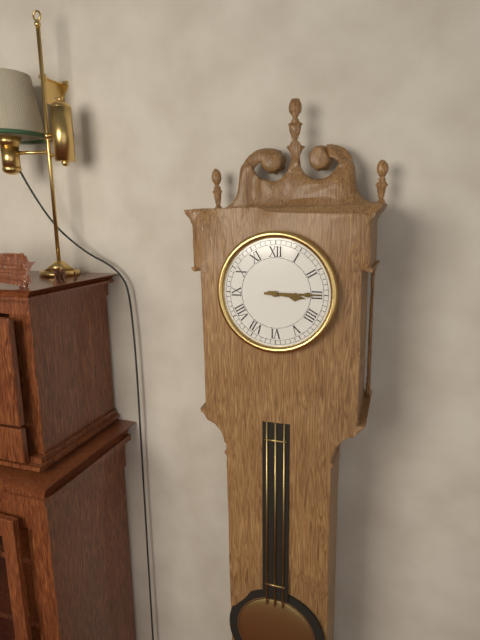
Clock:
h=3 m=15
